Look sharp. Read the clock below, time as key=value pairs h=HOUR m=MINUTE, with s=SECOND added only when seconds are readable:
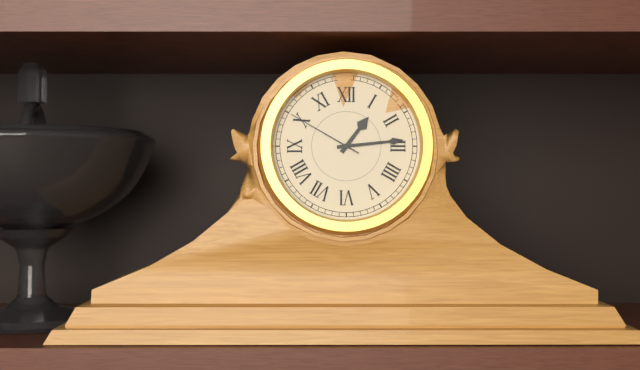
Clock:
h=1 m=14 s=50
